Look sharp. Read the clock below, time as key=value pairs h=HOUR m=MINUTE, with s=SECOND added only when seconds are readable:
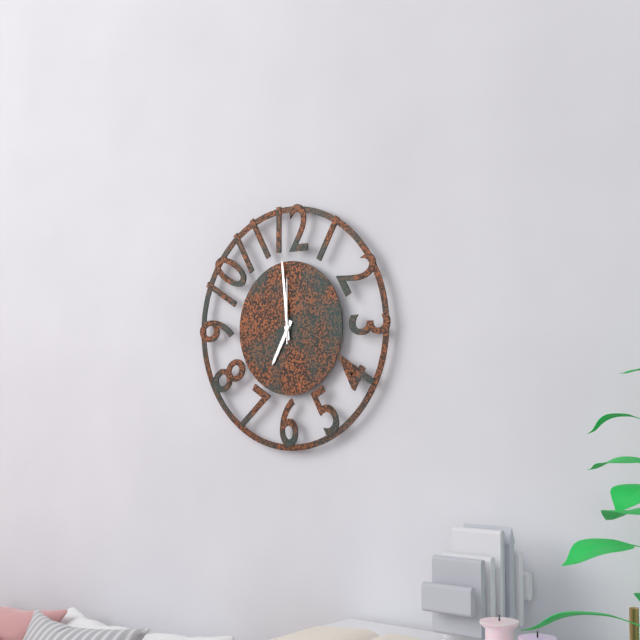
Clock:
h=6 m=59 s=0
